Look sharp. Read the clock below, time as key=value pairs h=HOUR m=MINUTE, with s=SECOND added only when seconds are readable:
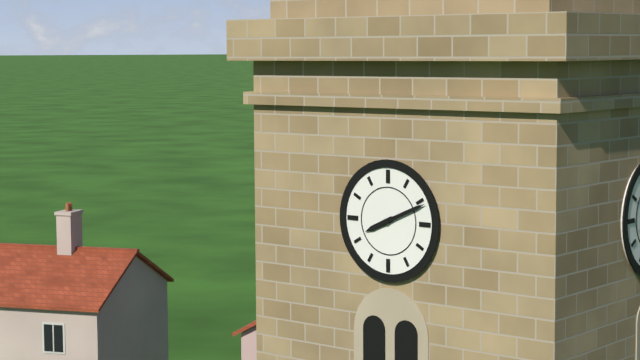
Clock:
h=8 m=11
